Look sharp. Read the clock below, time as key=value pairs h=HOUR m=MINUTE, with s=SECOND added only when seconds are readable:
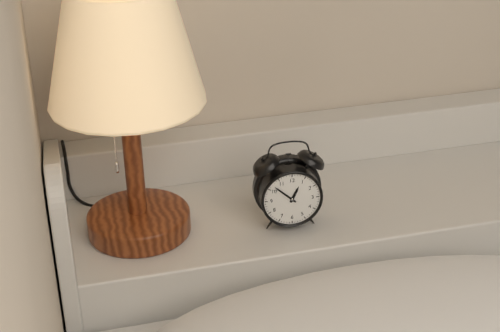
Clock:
h=12 m=52
